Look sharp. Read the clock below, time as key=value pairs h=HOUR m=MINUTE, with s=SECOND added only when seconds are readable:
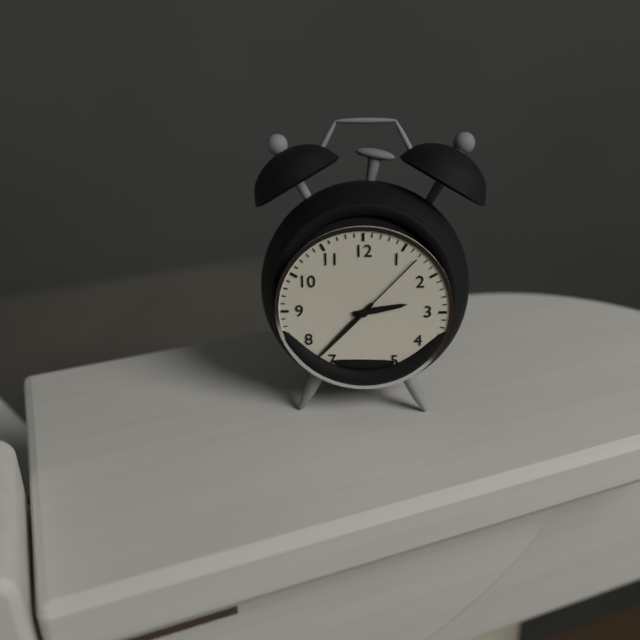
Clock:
h=2 m=37 s=7
